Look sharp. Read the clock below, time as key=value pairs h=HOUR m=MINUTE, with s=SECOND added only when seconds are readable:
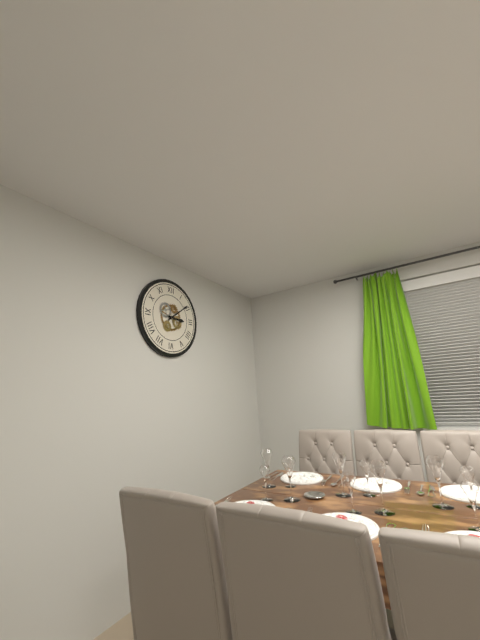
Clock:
h=3 m=9
